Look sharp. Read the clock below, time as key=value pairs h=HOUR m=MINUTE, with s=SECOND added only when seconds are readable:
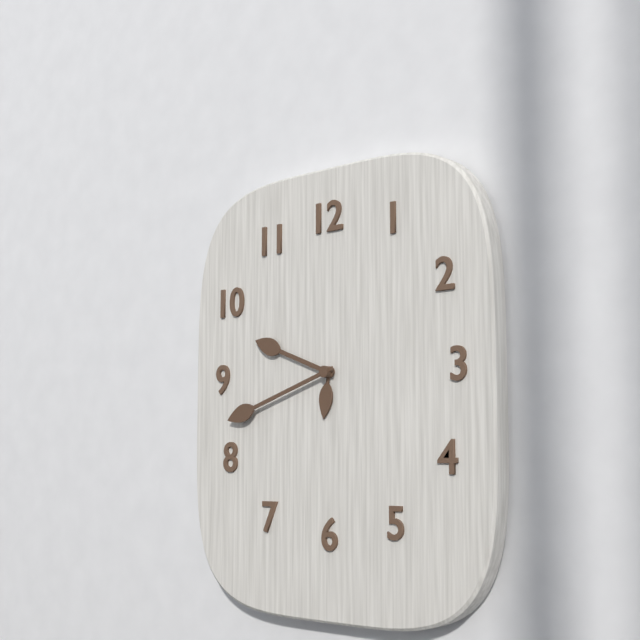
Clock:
h=9 m=42
